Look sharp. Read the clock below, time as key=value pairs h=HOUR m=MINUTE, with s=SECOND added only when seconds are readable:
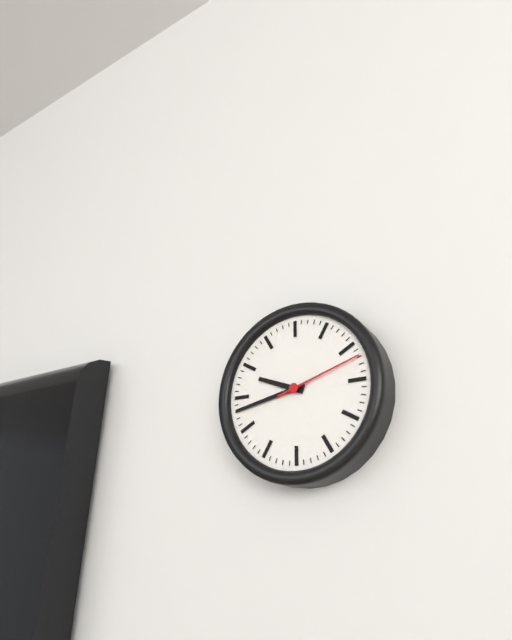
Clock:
h=9 m=43 s=12
